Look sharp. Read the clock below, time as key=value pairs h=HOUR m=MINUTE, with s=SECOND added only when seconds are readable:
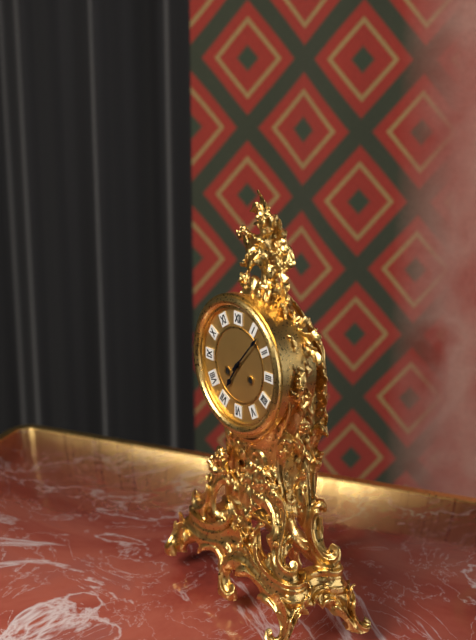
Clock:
h=7 m=7
